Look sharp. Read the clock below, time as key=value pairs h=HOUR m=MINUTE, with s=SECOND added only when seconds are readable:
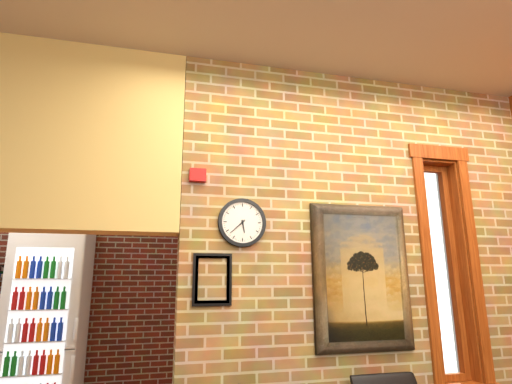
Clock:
h=5 m=38
